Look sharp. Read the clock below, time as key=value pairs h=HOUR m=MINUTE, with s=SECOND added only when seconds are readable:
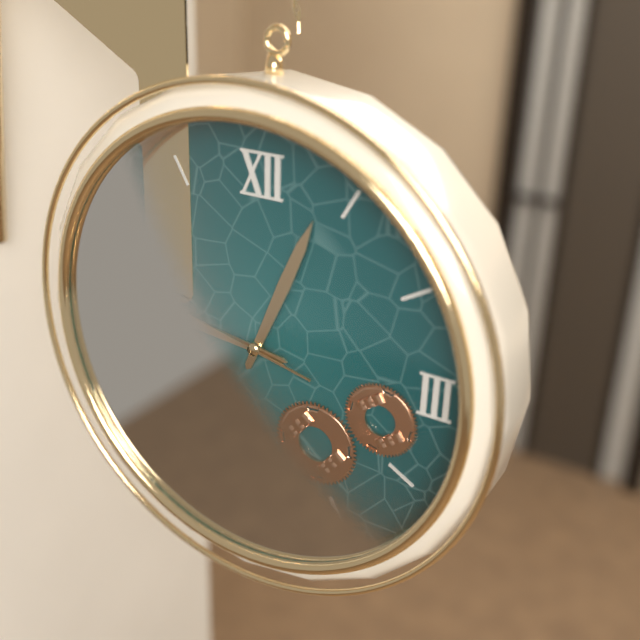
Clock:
h=12 m=46 s=47
